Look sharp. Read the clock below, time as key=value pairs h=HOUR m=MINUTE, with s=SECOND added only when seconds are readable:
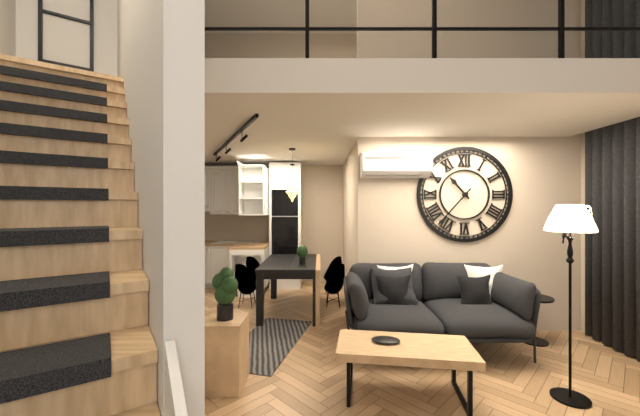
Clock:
h=10 m=37
